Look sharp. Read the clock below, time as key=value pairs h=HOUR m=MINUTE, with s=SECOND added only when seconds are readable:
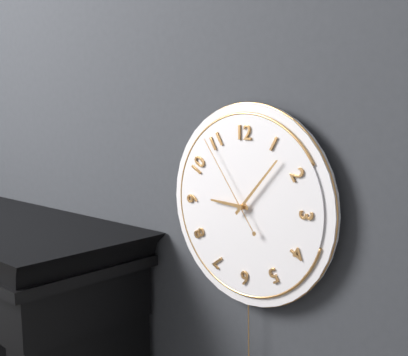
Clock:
h=9 m=7 s=54
